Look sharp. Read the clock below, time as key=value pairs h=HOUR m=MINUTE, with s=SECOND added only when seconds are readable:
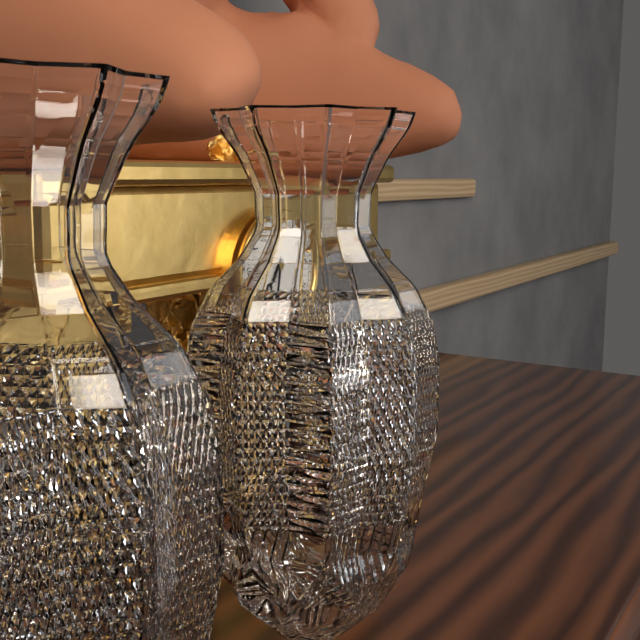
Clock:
h=7 m=32
